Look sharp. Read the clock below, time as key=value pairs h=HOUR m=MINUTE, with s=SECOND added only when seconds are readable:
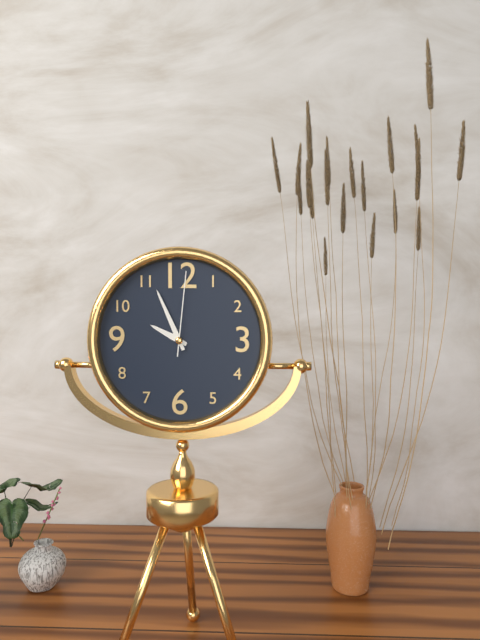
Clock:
h=9 m=56 s=1
